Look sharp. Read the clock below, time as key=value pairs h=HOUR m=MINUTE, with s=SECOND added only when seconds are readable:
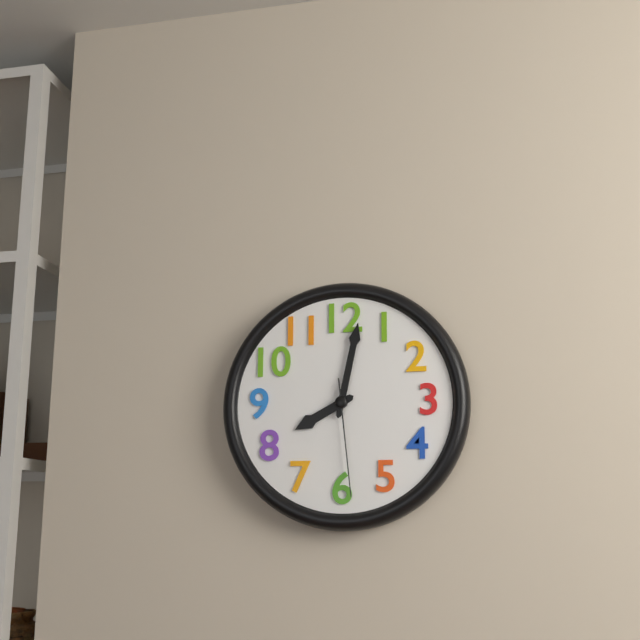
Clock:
h=8 m=2 s=29
